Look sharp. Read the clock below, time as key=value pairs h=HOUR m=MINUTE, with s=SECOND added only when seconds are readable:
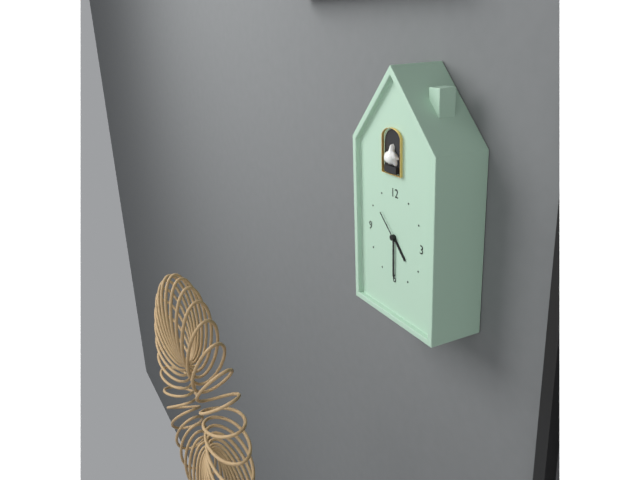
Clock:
h=4 m=30
